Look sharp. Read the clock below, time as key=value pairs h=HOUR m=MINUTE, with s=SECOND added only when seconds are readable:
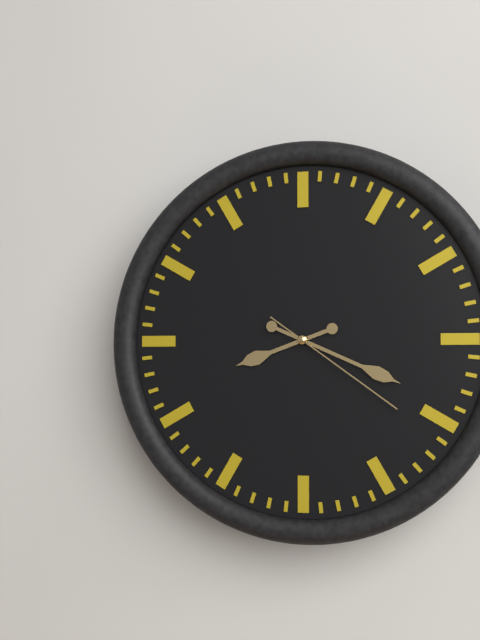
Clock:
h=8 m=19 s=21
